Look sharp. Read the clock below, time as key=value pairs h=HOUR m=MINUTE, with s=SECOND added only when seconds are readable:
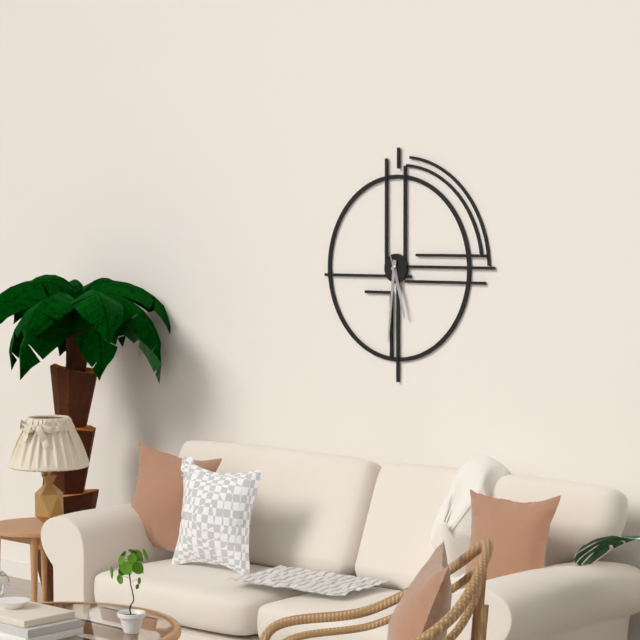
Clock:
h=5 m=31 s=27
